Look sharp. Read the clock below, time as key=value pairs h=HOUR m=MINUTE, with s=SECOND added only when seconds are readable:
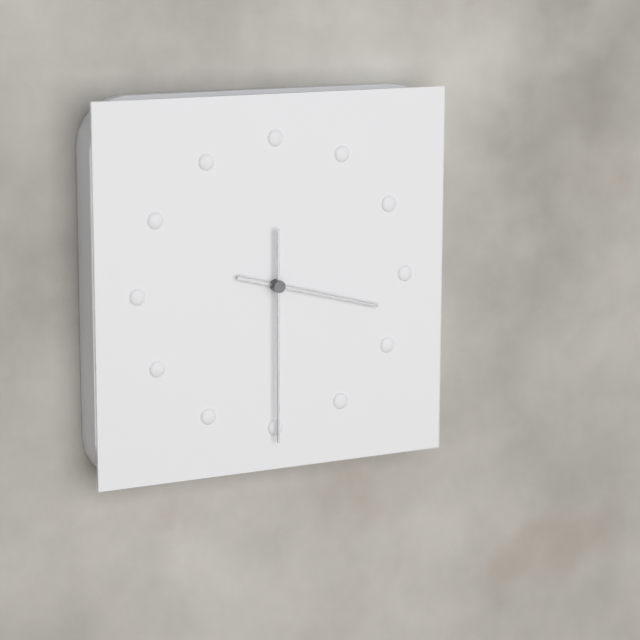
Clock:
h=3 m=30
